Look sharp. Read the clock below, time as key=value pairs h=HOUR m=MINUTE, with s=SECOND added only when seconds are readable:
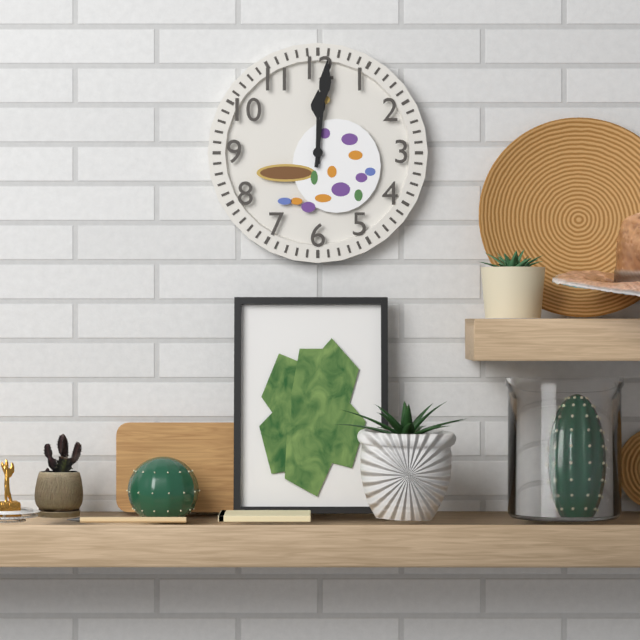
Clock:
h=12 m=1
